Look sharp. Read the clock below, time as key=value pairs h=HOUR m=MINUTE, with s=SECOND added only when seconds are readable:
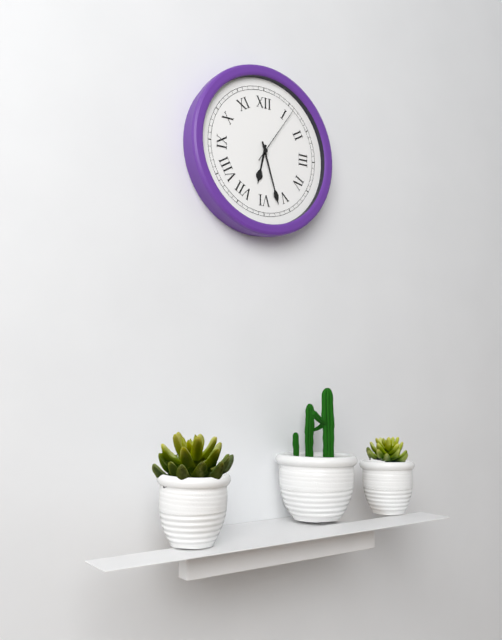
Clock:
h=6 m=27 s=6
